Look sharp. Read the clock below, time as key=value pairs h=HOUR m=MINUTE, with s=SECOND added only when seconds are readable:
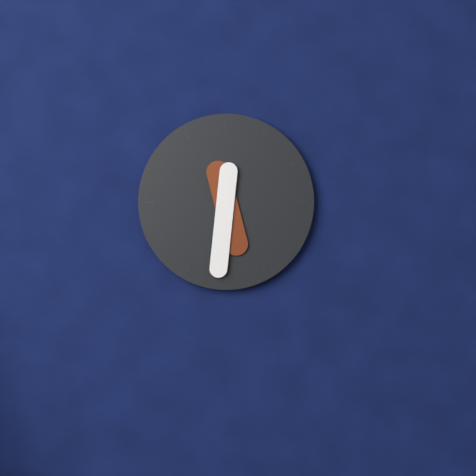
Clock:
h=5 m=31
